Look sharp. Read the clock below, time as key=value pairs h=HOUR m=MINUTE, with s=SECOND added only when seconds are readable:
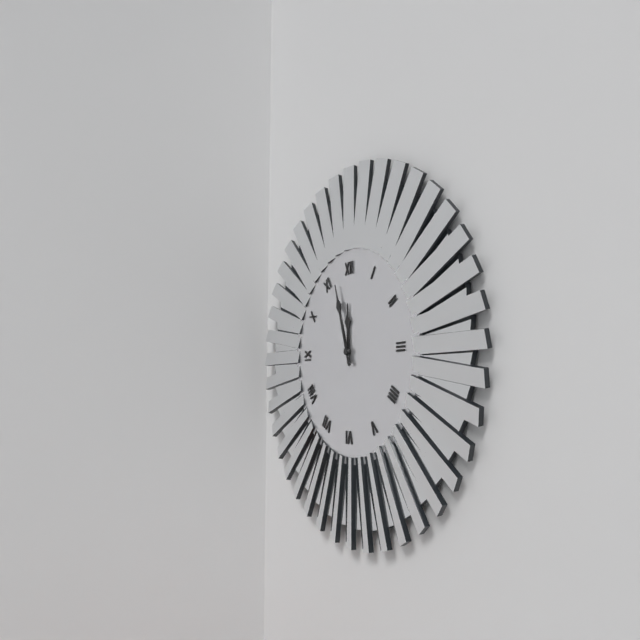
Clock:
h=11 m=57
